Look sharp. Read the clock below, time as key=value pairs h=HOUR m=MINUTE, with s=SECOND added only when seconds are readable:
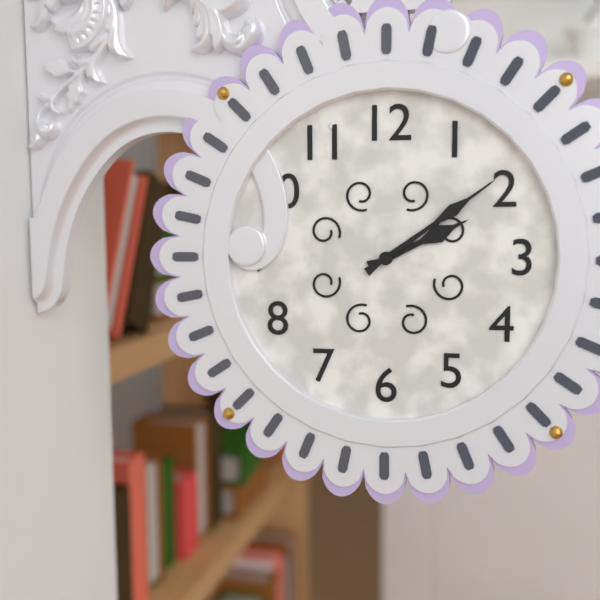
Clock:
h=2 m=9
